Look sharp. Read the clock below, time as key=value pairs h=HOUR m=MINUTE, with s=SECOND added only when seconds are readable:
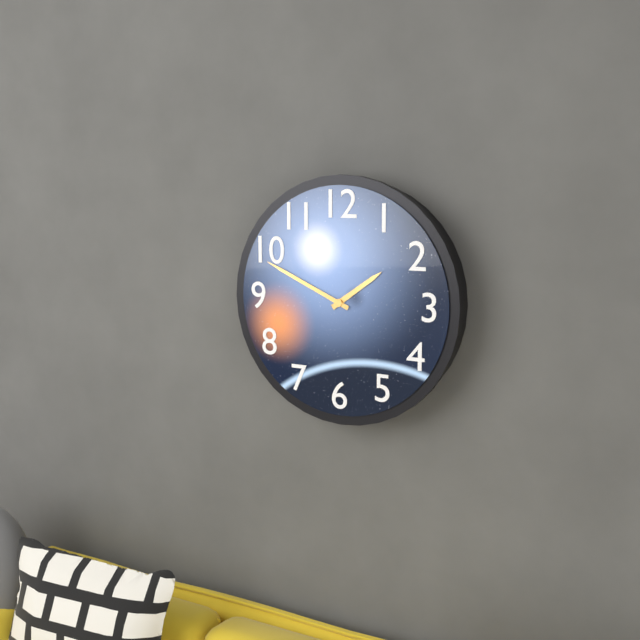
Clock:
h=1 m=49
